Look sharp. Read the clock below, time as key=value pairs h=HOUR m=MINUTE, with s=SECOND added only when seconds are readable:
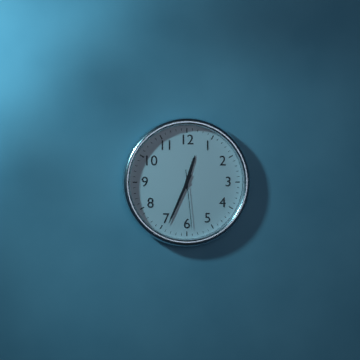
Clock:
h=12 m=34 s=29
